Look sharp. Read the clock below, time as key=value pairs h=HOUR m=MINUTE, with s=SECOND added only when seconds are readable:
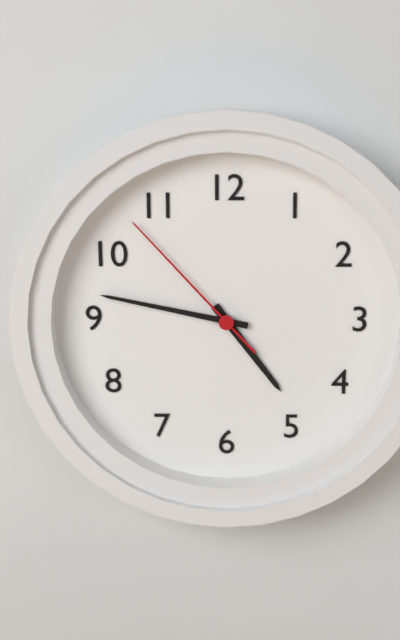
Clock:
h=4 m=47 s=53
